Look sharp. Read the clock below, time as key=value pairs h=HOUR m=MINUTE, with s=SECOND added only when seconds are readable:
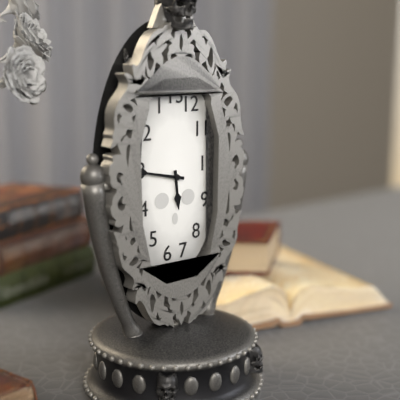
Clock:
h=5 m=47
